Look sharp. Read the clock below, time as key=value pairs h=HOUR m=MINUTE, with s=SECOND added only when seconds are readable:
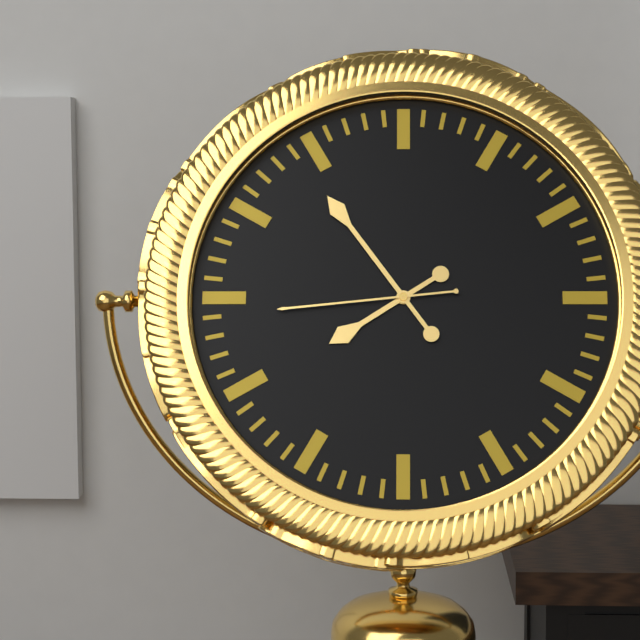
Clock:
h=7 m=54 s=44
